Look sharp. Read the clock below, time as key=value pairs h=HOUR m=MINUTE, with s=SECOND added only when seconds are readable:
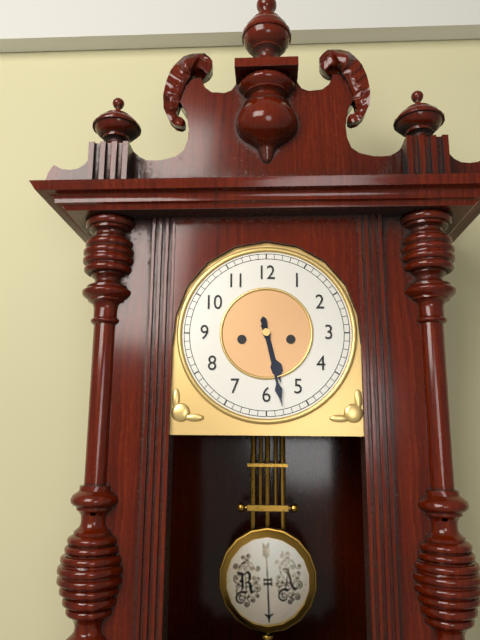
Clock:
h=5 m=28
